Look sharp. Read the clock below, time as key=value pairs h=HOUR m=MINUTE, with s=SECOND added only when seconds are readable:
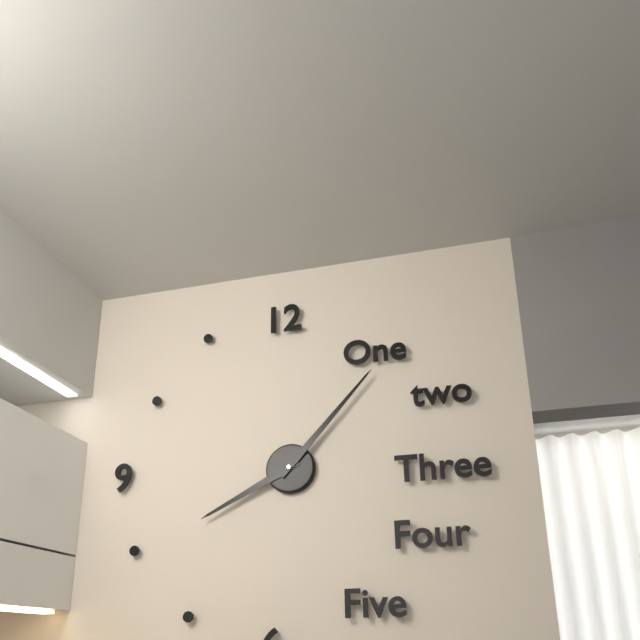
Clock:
h=8 m=7
